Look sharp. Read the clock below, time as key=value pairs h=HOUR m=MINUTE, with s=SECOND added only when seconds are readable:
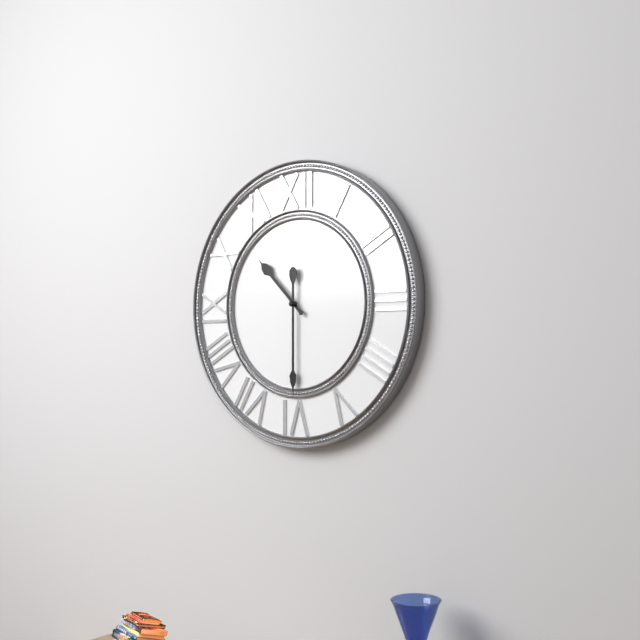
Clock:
h=10 m=30
